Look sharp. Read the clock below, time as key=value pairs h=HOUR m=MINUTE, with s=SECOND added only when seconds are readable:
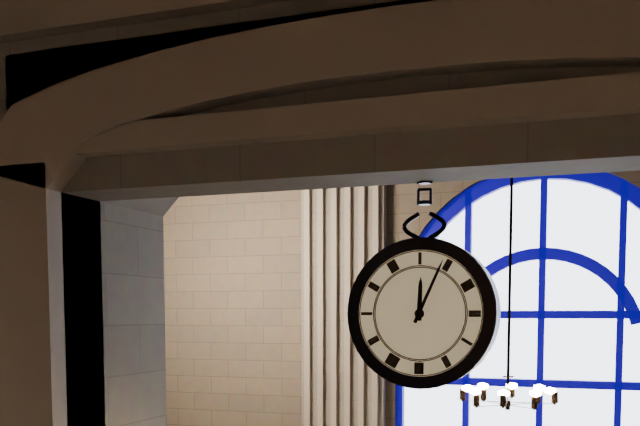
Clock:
h=12 m=4
